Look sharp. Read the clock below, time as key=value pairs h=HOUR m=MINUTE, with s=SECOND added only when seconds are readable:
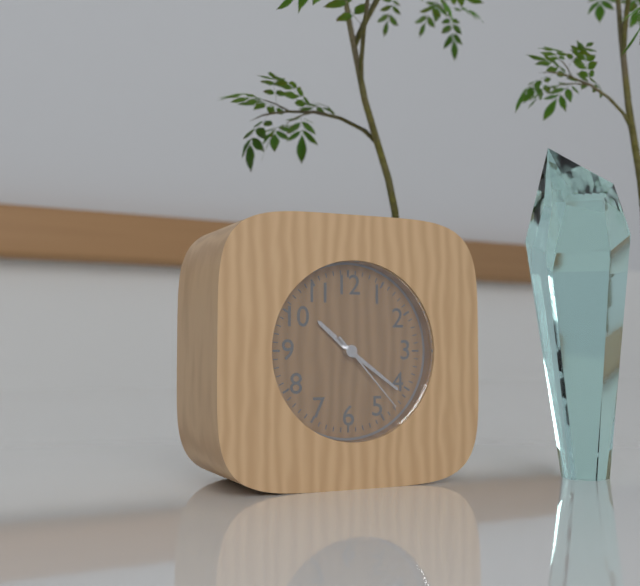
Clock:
h=10 m=21 s=23
